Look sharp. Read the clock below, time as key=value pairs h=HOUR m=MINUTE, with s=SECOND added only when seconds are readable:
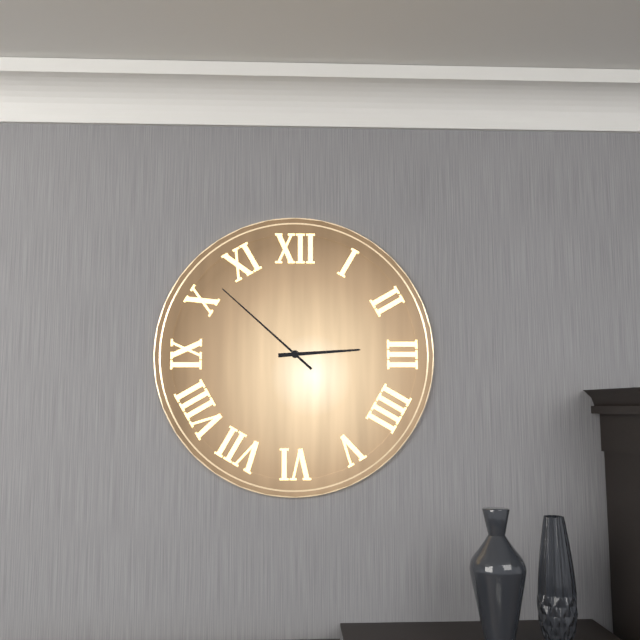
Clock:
h=2 m=52
